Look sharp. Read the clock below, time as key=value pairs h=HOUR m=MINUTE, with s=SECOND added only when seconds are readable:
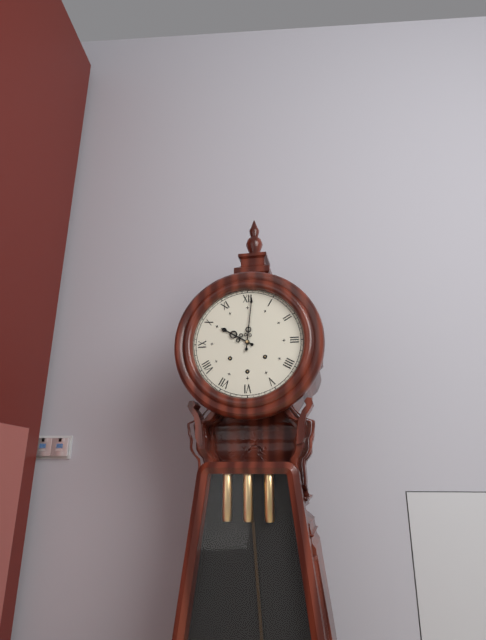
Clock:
h=10 m=1
